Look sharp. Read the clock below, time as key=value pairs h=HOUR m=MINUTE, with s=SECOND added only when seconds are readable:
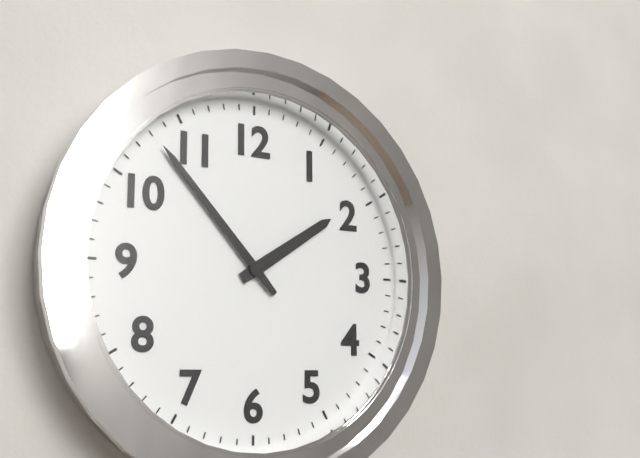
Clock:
h=1 m=53
